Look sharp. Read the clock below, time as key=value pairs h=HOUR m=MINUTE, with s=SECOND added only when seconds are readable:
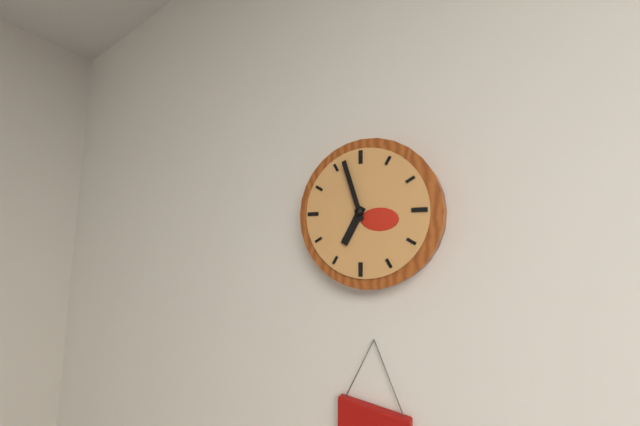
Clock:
h=6 m=57
